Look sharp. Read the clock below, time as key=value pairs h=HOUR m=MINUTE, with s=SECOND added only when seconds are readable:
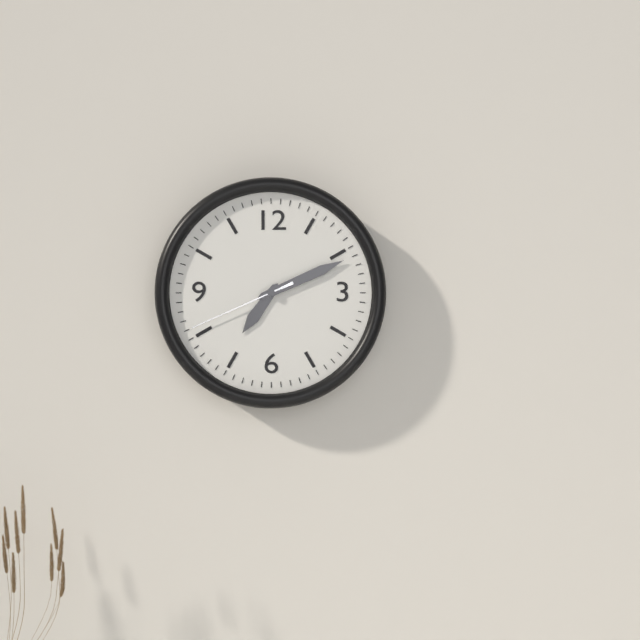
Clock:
h=7 m=11 s=41
